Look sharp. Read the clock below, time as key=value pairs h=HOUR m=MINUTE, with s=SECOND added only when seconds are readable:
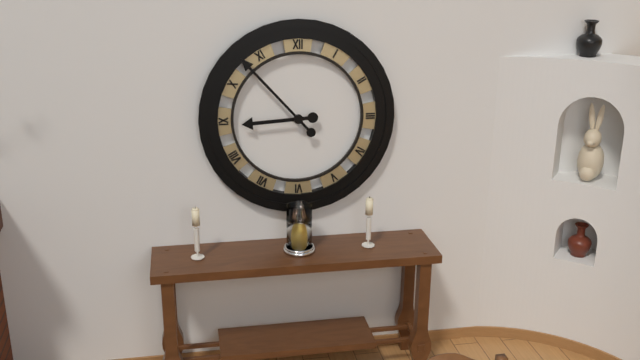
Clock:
h=8 m=53
